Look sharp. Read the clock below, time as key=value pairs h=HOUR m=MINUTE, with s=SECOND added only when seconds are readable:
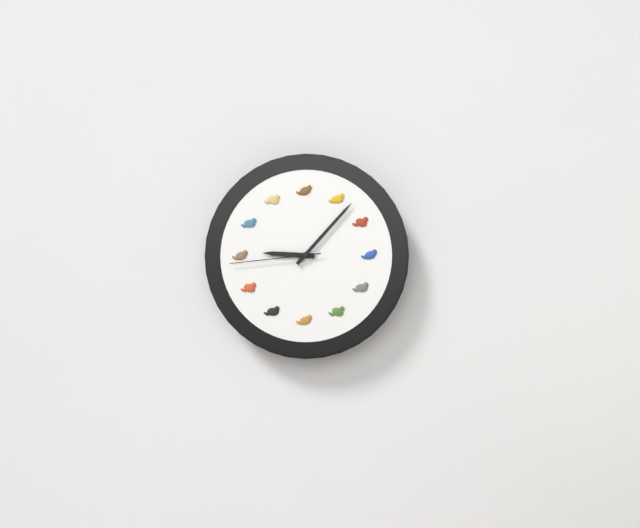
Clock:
h=9 m=7 s=44
